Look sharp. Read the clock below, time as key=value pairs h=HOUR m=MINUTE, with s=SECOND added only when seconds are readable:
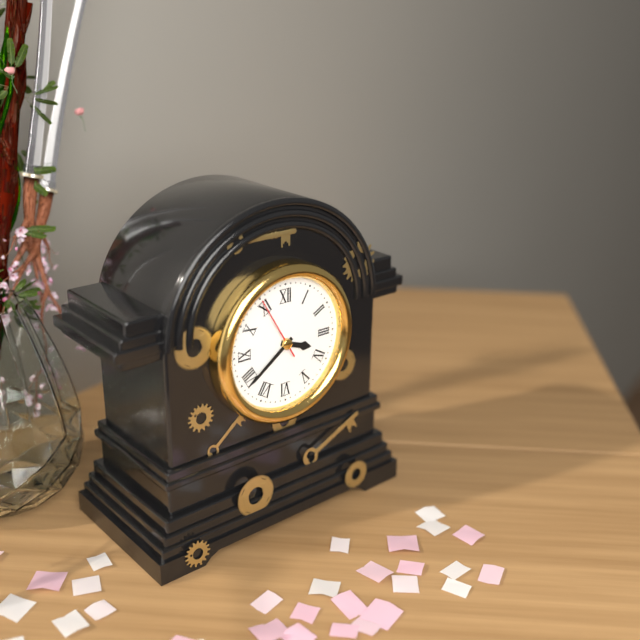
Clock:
h=3 m=39 s=55
